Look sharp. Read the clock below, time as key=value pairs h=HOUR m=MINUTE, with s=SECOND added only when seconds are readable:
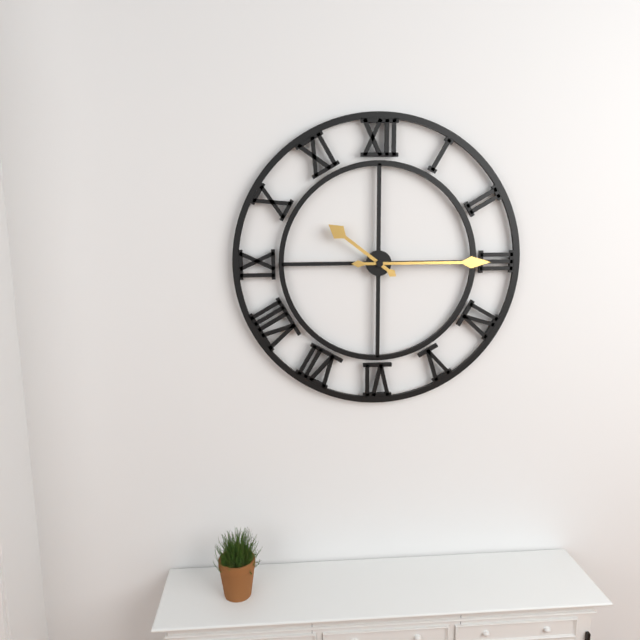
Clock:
h=10 m=15
